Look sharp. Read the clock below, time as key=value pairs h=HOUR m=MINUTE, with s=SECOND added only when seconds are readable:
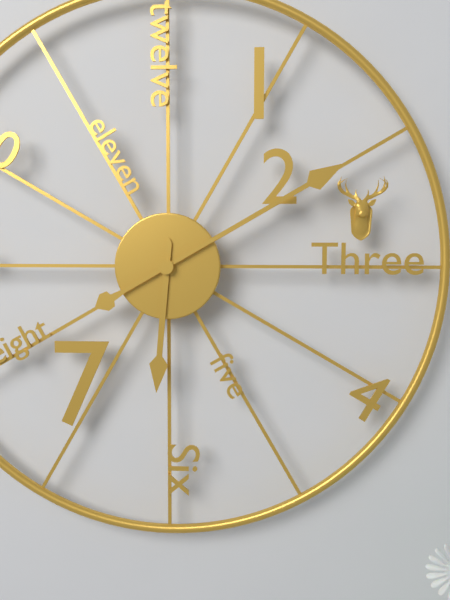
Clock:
h=6 m=10
